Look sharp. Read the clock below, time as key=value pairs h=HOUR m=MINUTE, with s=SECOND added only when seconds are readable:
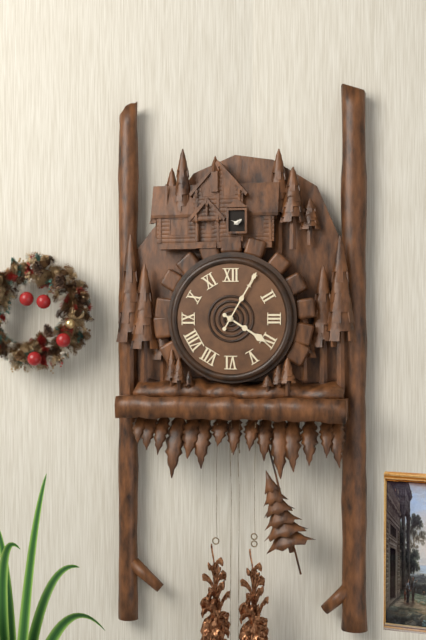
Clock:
h=4 m=5
